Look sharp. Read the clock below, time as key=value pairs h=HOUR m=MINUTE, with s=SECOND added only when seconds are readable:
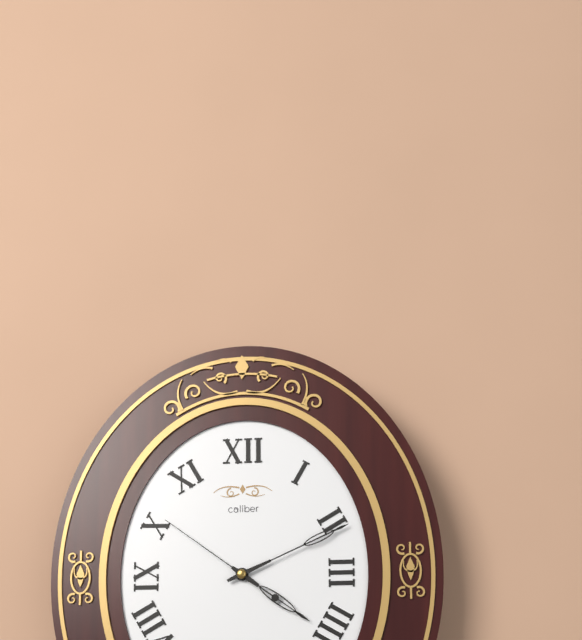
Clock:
h=4 m=11 s=51
